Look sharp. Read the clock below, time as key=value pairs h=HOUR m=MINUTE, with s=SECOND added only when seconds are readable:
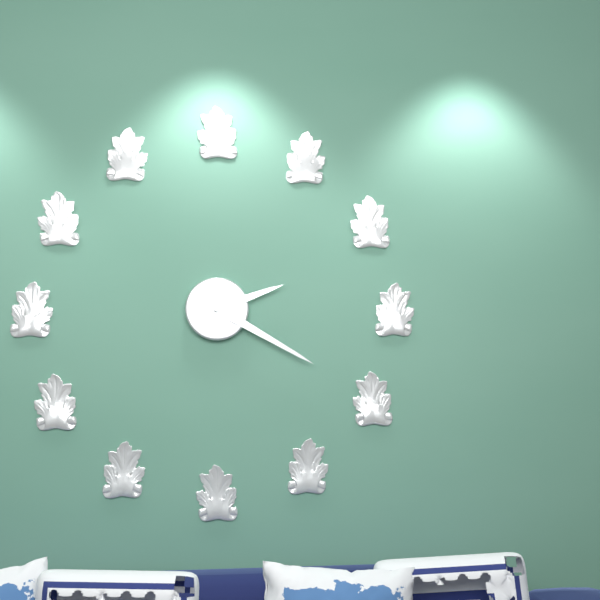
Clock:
h=2 m=20
